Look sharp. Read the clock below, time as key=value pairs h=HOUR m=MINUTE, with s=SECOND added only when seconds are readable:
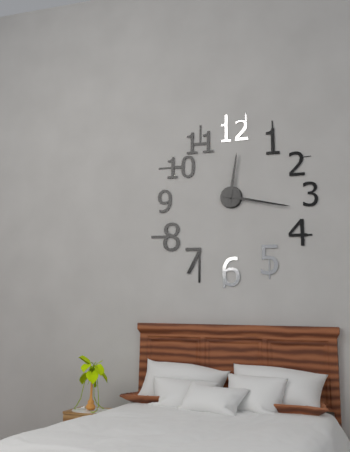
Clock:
h=12 m=17
